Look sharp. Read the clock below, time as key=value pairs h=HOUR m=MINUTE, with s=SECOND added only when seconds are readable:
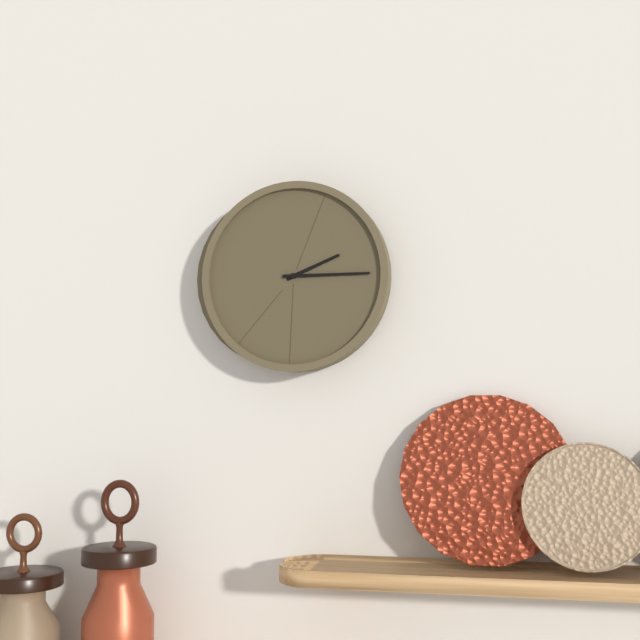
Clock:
h=2 m=15
